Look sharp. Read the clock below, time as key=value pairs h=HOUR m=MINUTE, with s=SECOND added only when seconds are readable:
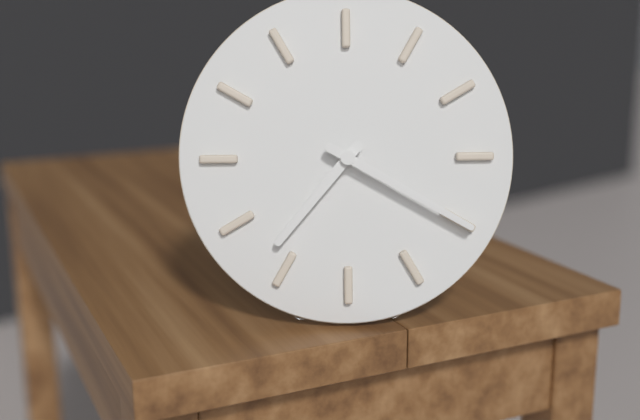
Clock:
h=7 m=20
